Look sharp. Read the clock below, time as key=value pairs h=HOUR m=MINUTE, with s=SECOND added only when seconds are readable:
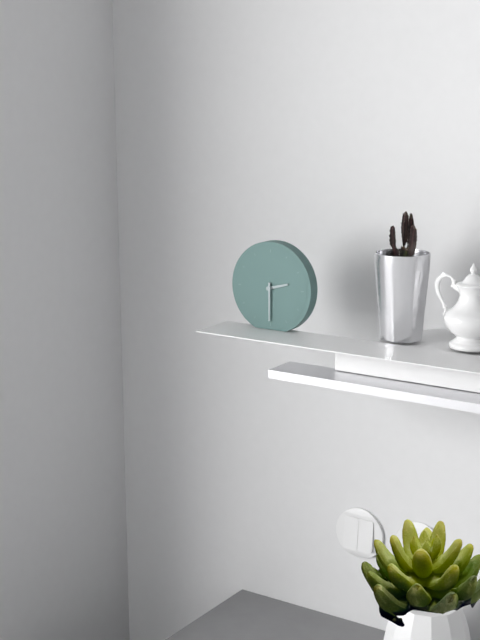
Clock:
h=2 m=30
